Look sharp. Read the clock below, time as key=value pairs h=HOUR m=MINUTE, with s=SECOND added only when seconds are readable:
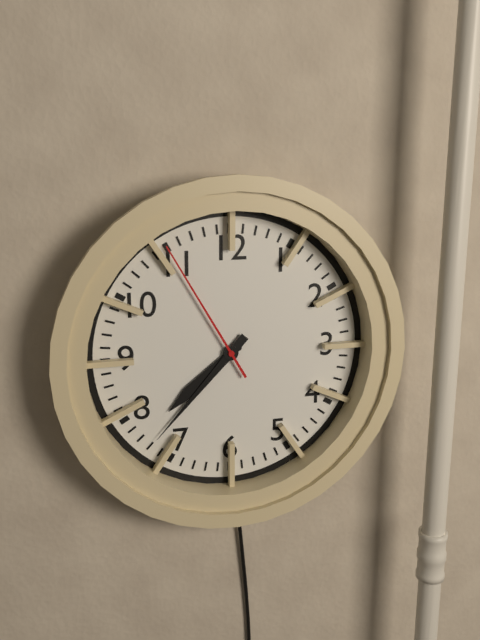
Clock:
h=7 m=37 s=55
